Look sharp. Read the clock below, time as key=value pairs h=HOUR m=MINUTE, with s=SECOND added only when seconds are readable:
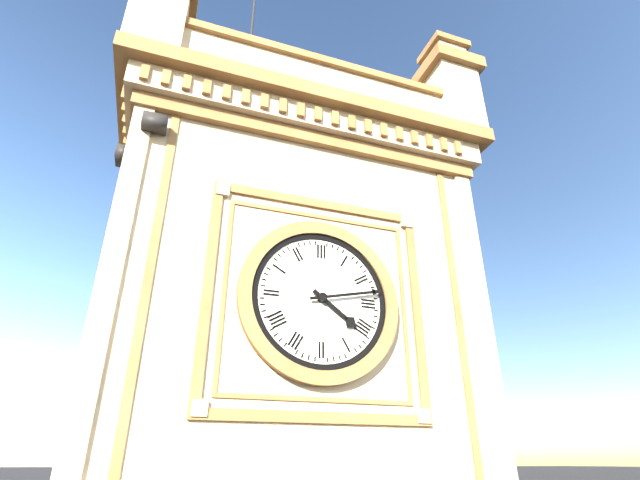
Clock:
h=4 m=13
